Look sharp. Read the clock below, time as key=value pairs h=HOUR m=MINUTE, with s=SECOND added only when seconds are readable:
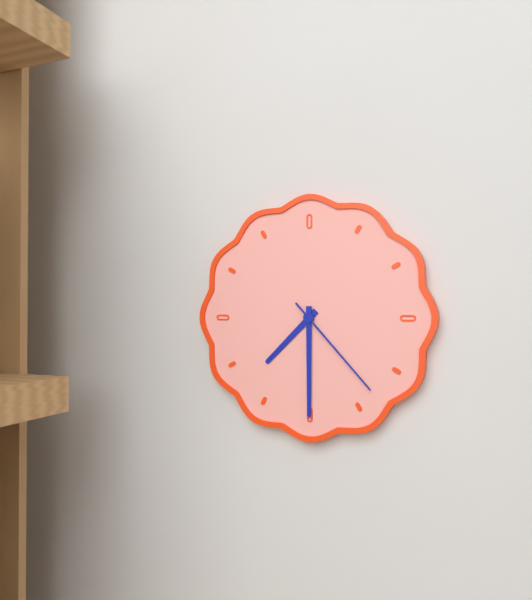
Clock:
h=7 m=30 s=23
